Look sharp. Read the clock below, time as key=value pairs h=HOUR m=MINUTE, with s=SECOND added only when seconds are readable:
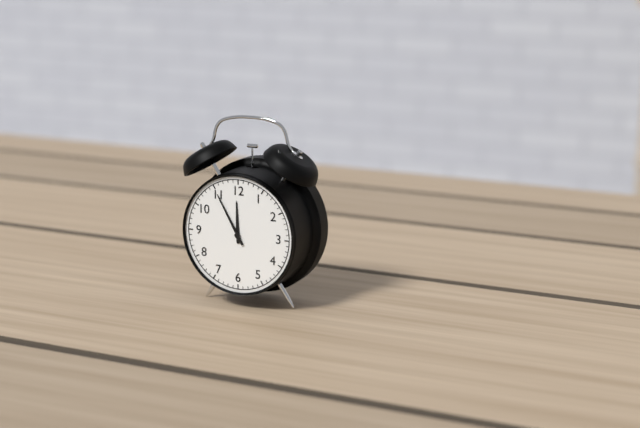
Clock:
h=11 m=55
